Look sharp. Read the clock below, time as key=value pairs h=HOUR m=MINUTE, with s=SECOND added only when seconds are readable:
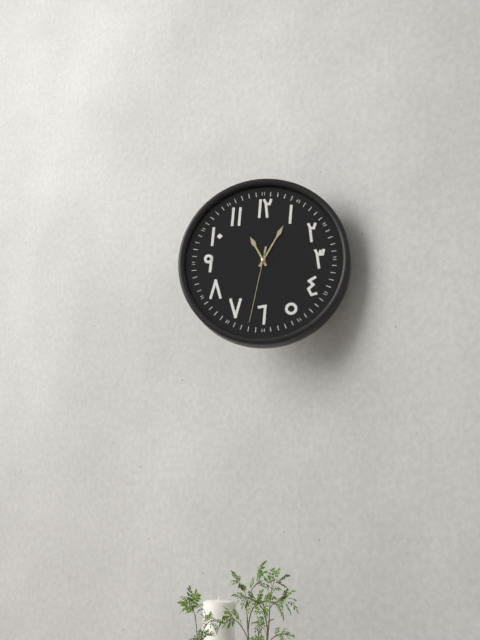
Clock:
h=11 m=5 s=32
